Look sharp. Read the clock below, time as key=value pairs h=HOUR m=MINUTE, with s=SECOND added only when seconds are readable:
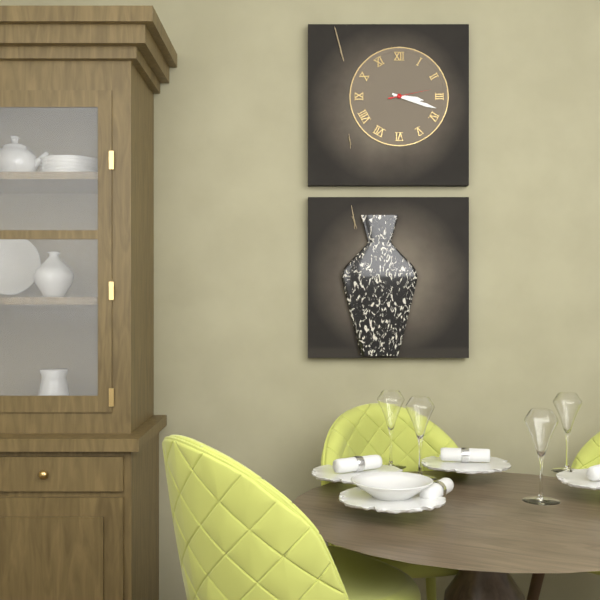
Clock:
h=3 m=18
